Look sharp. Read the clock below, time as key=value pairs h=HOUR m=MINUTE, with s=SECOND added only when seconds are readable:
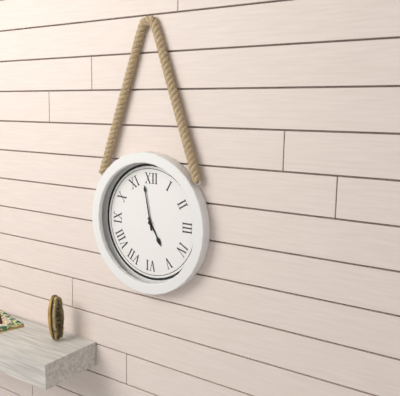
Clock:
h=4 m=58
